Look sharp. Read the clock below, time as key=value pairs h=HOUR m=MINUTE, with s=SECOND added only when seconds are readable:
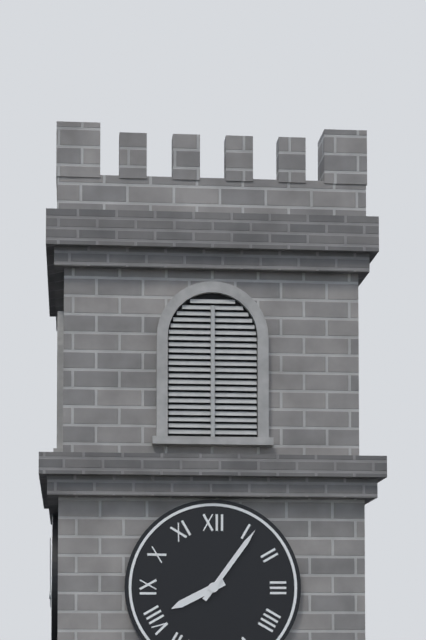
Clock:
h=8 m=6
